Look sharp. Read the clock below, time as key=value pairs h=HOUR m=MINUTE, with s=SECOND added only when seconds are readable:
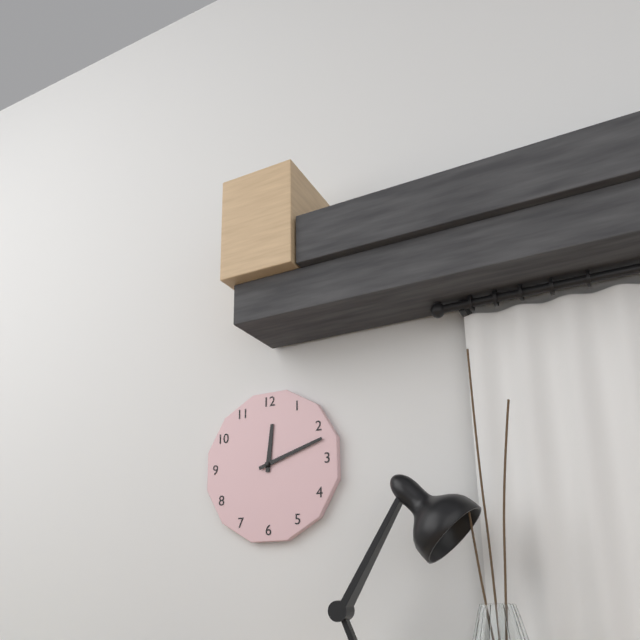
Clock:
h=12 m=12
